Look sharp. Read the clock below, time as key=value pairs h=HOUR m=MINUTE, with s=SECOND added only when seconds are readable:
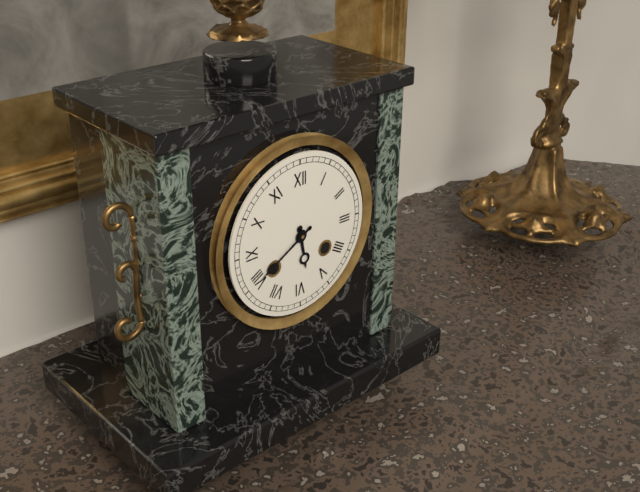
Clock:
h=5 m=40
